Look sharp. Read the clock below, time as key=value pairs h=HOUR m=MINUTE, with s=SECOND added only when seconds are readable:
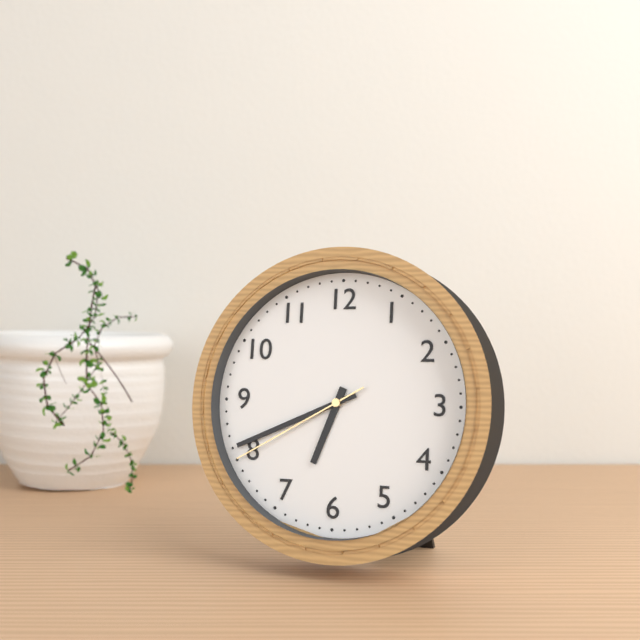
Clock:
h=6 m=41 s=40
